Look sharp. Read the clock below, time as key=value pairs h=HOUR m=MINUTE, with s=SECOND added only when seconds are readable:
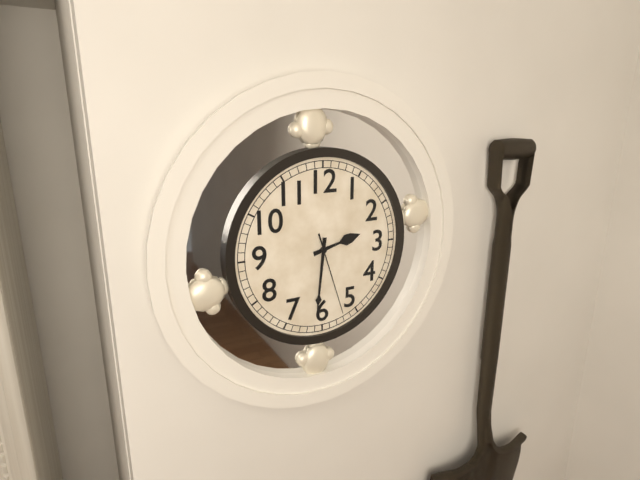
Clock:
h=2 m=31 s=27
